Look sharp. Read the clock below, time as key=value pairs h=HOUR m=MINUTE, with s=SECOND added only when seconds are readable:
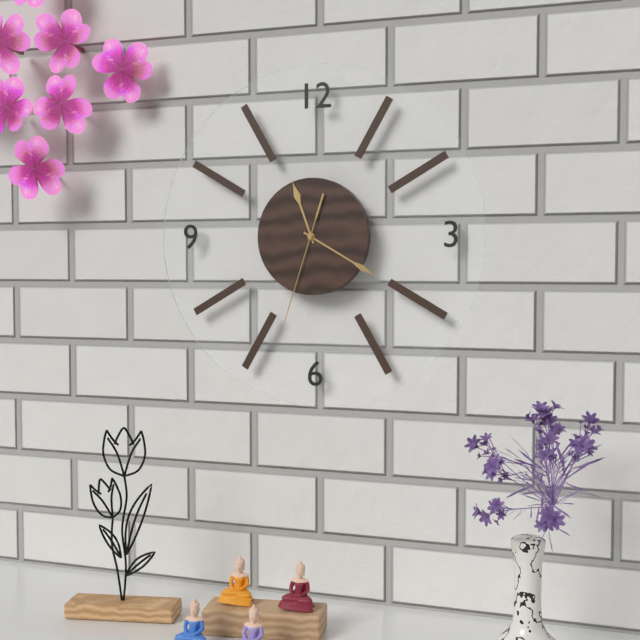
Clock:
h=11 m=20 s=33
